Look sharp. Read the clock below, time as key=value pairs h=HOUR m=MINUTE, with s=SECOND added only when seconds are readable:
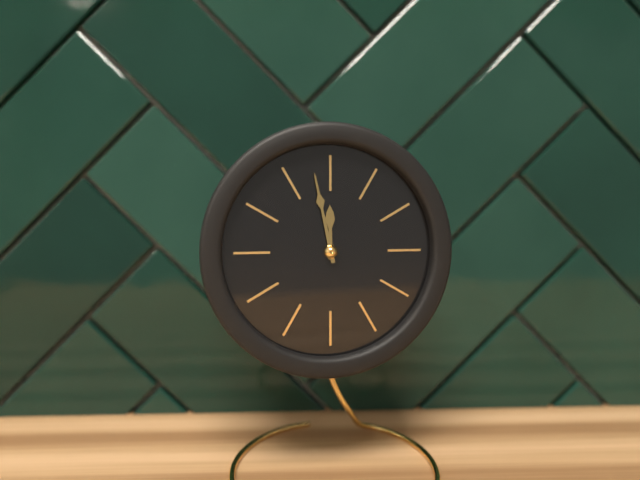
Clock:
h=11 m=58
